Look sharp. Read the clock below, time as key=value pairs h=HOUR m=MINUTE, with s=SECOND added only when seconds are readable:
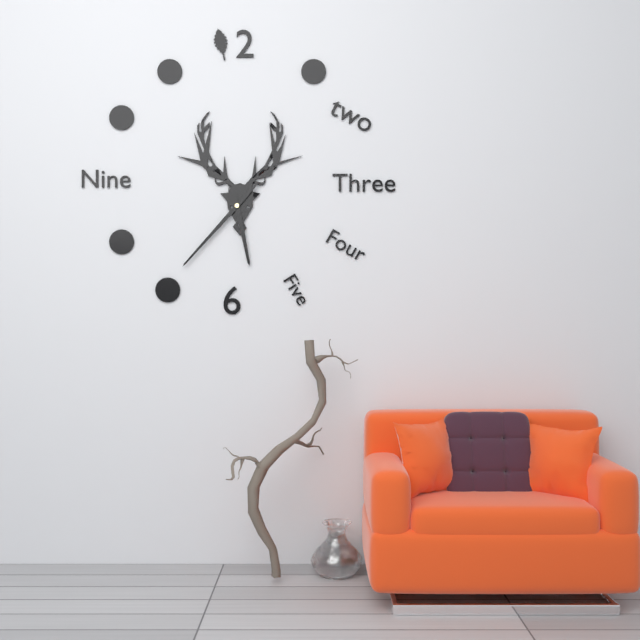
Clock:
h=5 m=37
